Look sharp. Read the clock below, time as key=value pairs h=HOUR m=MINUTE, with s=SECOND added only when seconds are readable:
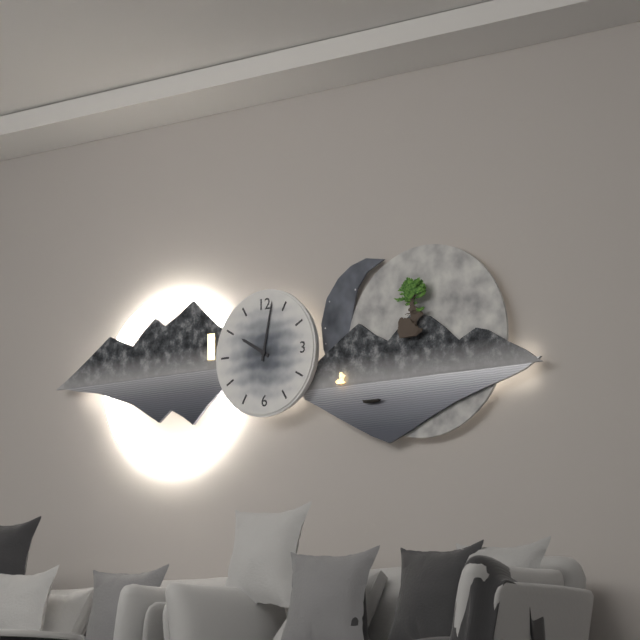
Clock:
h=10 m=2
